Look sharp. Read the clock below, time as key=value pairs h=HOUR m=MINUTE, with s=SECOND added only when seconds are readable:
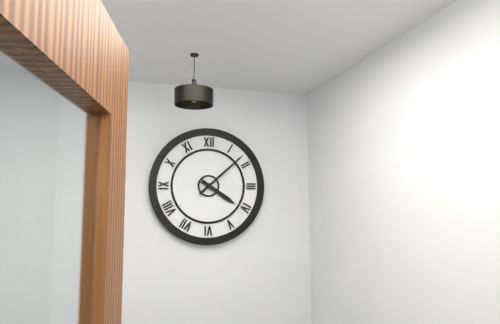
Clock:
h=4 m=8
